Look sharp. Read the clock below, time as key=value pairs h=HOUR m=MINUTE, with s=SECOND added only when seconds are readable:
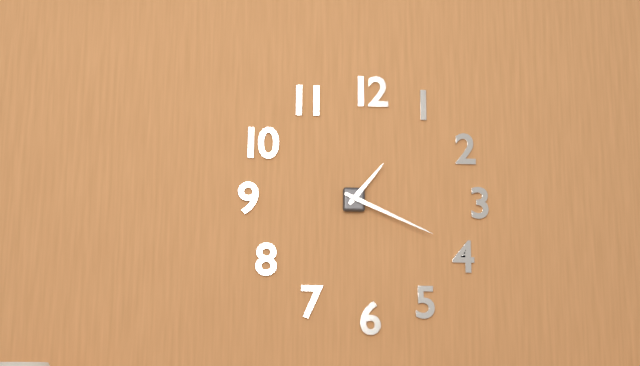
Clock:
h=1 m=19
